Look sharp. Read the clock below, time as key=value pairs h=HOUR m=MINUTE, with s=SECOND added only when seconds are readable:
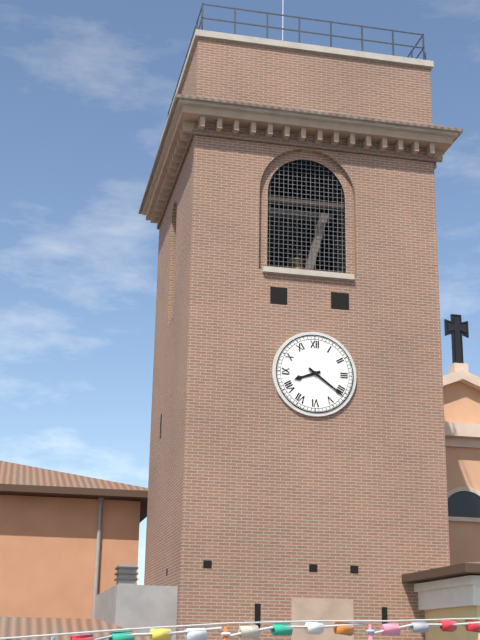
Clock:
h=8 m=21
